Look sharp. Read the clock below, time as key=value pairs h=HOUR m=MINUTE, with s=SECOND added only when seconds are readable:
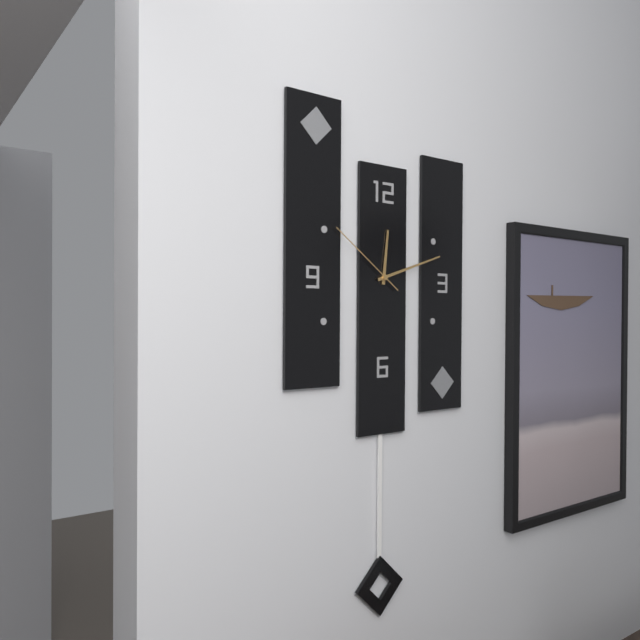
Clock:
h=12 m=12 s=51
